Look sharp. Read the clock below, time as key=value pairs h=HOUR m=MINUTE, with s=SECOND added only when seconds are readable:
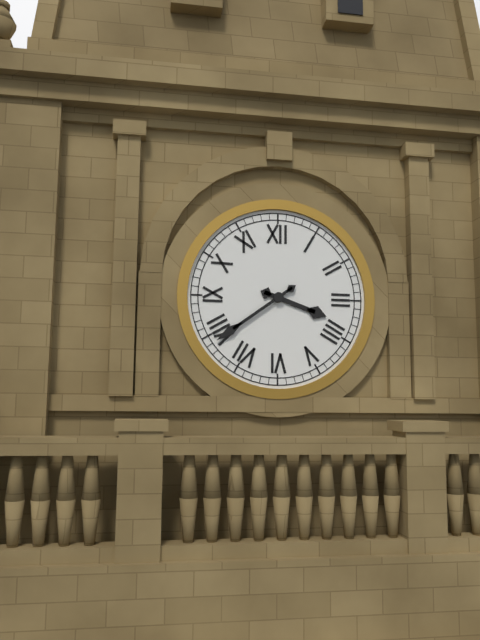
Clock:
h=3 m=39
